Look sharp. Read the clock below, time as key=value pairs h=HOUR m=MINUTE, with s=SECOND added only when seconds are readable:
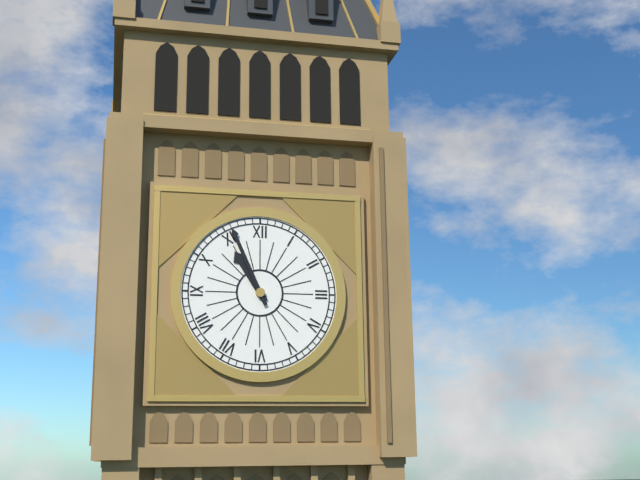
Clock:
h=10 m=56
